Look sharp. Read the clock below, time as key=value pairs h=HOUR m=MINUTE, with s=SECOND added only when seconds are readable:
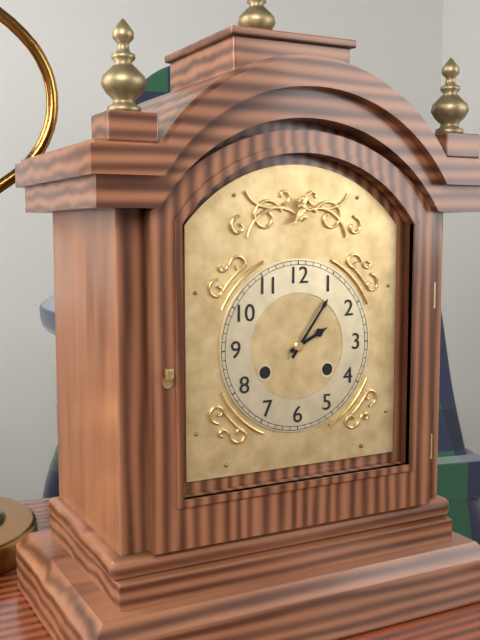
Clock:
h=2 m=6
